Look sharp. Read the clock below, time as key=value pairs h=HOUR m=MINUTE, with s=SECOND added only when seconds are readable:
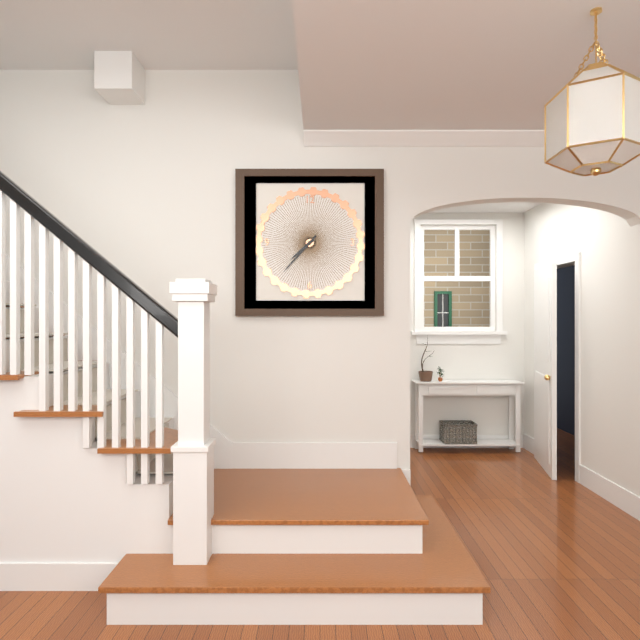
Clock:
h=7 m=37
